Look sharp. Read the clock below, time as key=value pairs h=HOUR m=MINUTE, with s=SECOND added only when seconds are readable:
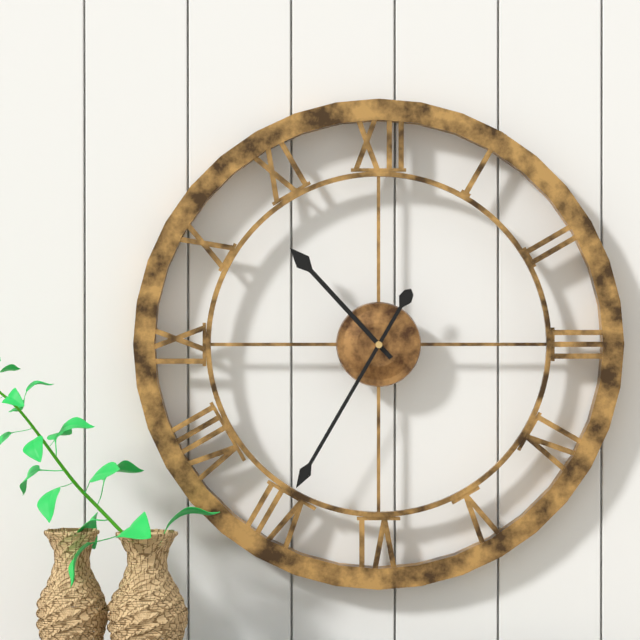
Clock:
h=10 m=35
